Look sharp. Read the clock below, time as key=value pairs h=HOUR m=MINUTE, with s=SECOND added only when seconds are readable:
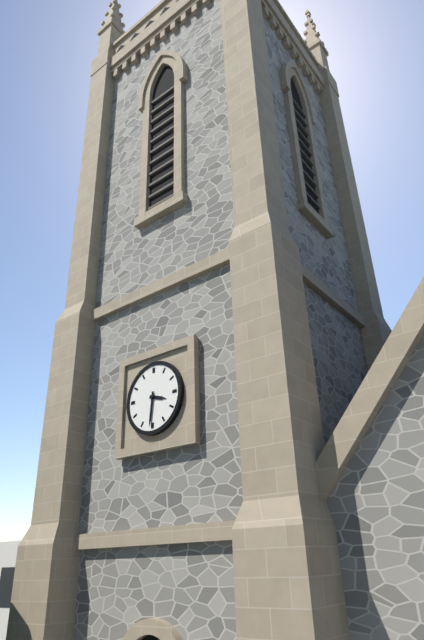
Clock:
h=3 m=31
